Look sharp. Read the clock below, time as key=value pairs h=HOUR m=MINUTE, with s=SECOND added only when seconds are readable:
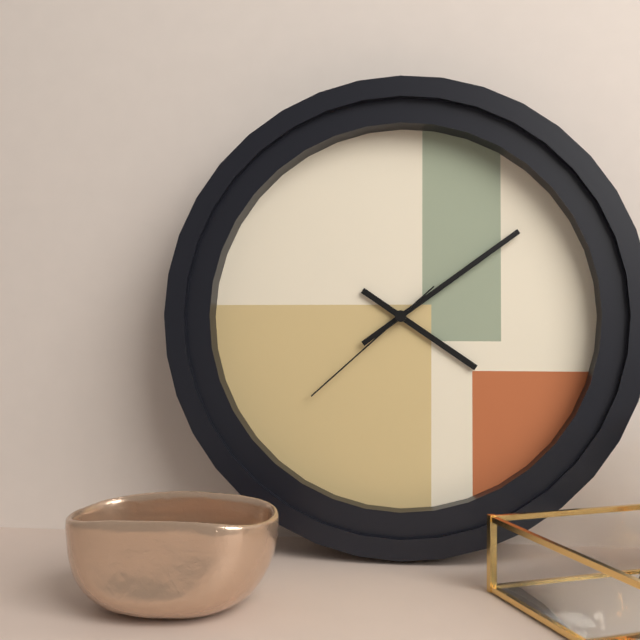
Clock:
h=4 m=9 s=38
